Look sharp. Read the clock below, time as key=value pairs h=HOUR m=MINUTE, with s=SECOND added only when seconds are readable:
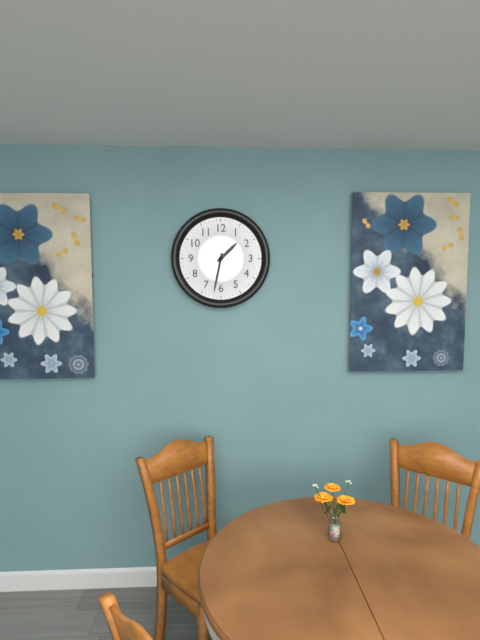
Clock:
h=1 m=32
